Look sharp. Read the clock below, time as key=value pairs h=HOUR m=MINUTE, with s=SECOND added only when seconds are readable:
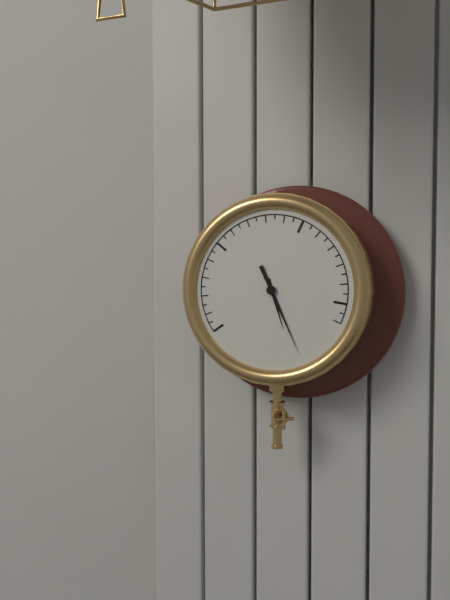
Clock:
h=5 m=26
